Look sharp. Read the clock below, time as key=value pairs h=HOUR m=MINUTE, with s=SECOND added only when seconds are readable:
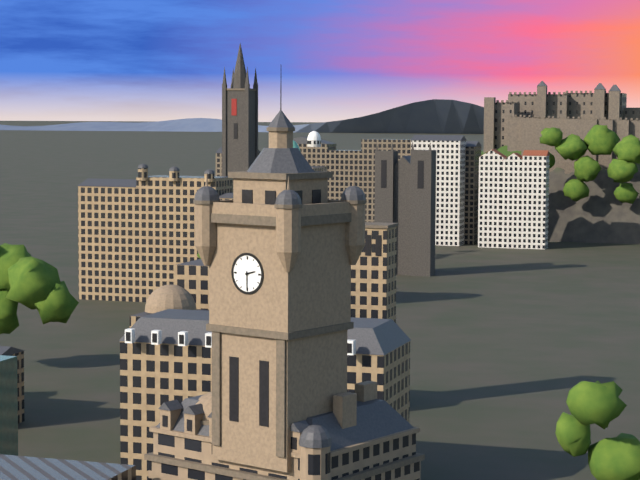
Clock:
h=2 m=30
